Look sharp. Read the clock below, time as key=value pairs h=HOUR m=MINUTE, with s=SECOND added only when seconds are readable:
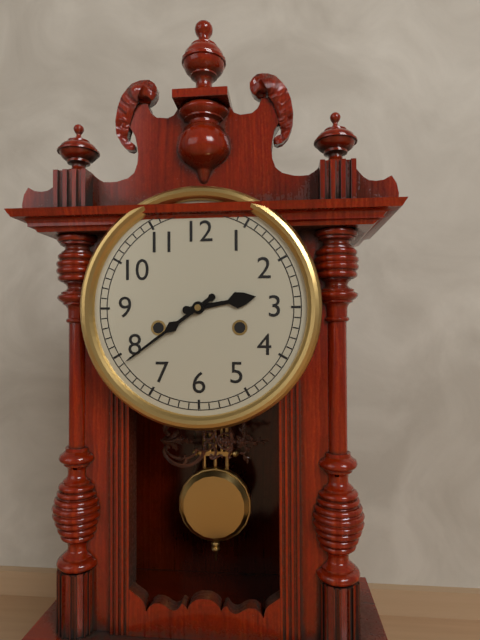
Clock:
h=2 m=39
